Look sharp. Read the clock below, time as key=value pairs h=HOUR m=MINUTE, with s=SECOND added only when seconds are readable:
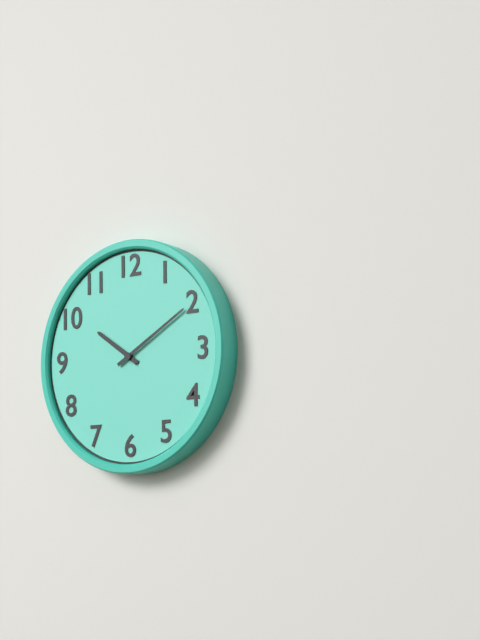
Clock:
h=10 m=10
